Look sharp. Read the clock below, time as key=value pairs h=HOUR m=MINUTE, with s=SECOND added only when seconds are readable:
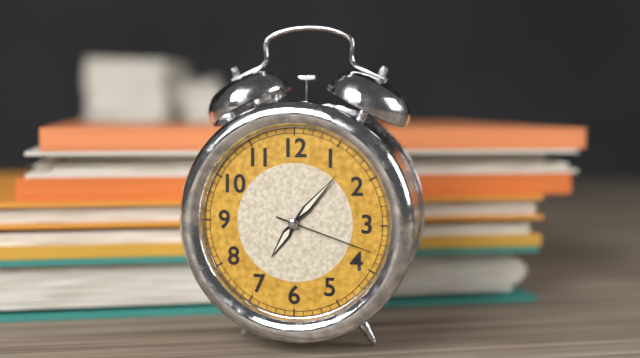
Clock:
h=7 m=7 s=18
